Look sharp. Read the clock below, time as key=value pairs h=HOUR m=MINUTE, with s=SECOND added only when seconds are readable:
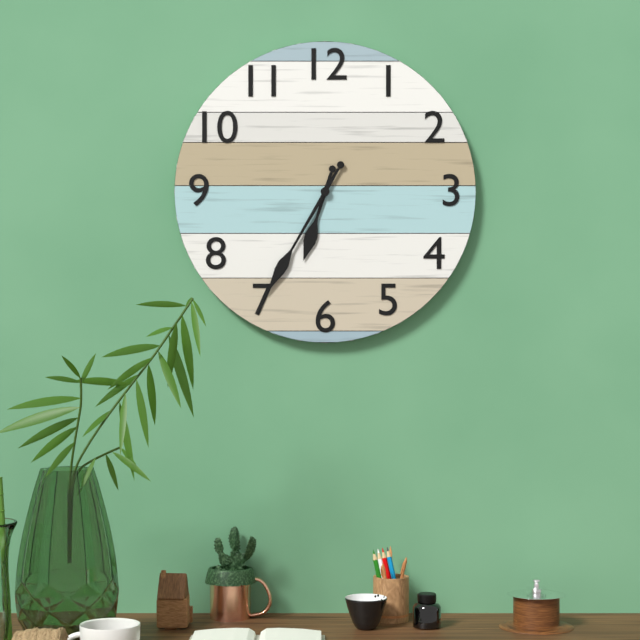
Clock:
h=6 m=35
